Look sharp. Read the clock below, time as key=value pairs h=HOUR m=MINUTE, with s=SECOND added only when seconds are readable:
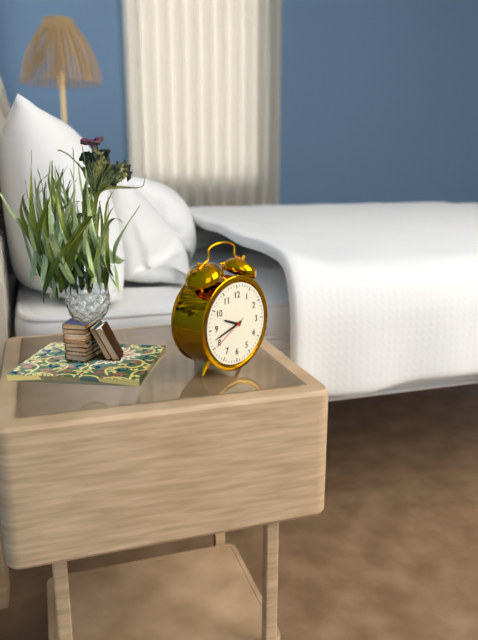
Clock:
h=9 m=42
